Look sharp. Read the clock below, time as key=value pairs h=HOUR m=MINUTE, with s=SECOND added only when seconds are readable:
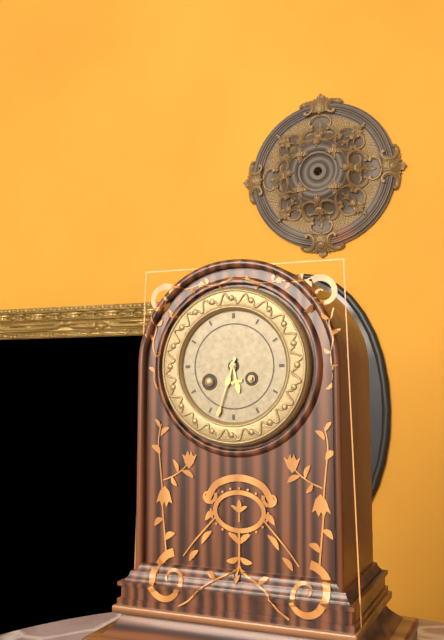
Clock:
h=5 m=33
